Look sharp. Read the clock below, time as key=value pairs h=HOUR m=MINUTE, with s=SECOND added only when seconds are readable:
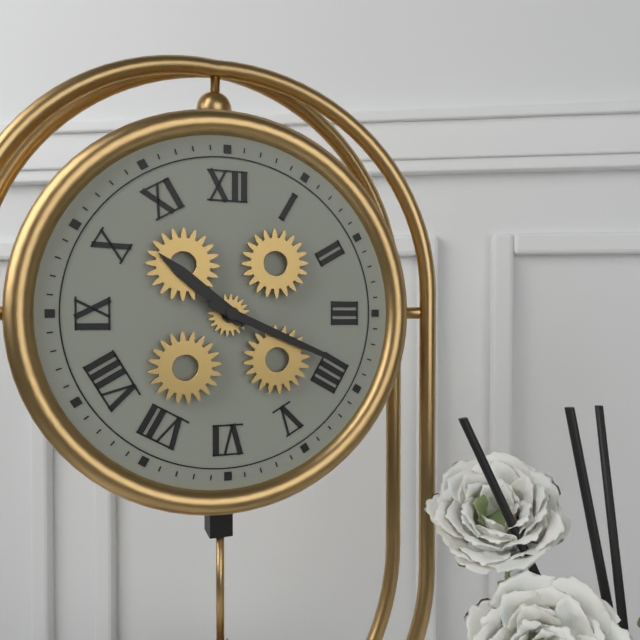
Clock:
h=10 m=19
